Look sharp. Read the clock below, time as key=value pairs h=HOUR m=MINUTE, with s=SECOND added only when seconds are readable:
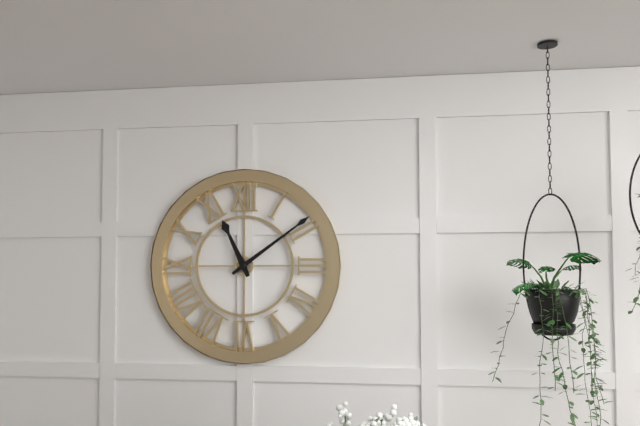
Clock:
h=11 m=9
